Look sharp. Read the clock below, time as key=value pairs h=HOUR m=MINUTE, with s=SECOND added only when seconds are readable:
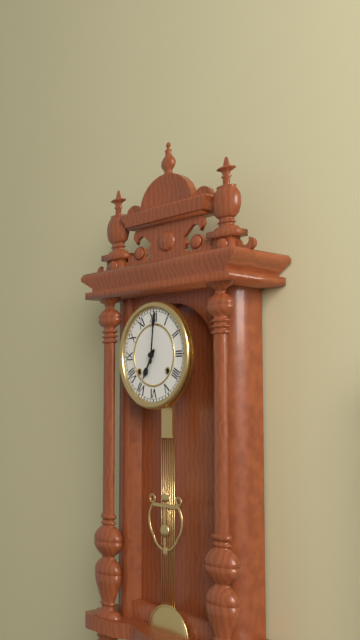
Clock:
h=7 m=1
